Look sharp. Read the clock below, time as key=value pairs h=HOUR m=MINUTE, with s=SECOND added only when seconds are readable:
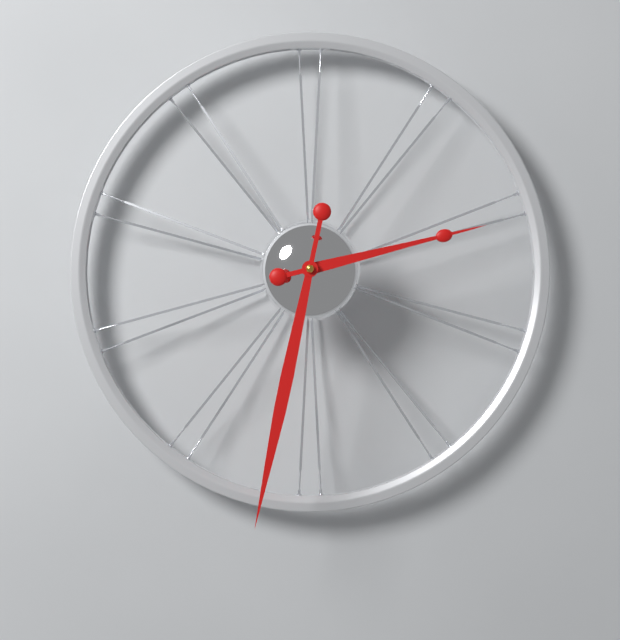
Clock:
h=2 m=32
